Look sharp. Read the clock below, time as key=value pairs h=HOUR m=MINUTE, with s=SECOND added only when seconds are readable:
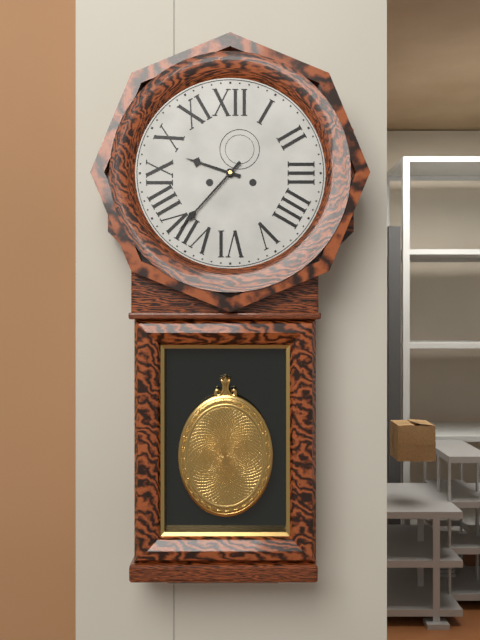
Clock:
h=9 m=37
